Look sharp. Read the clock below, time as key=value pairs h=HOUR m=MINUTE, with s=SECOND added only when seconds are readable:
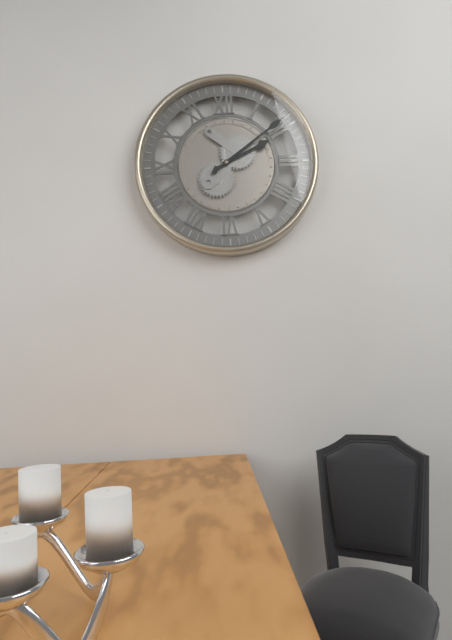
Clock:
h=2 m=9
